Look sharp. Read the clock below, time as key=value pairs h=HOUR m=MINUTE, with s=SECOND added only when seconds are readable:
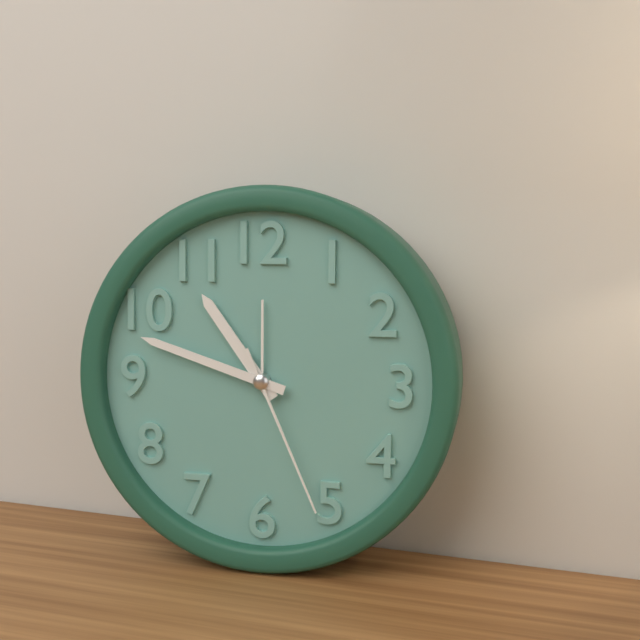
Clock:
h=10 m=48 s=26
